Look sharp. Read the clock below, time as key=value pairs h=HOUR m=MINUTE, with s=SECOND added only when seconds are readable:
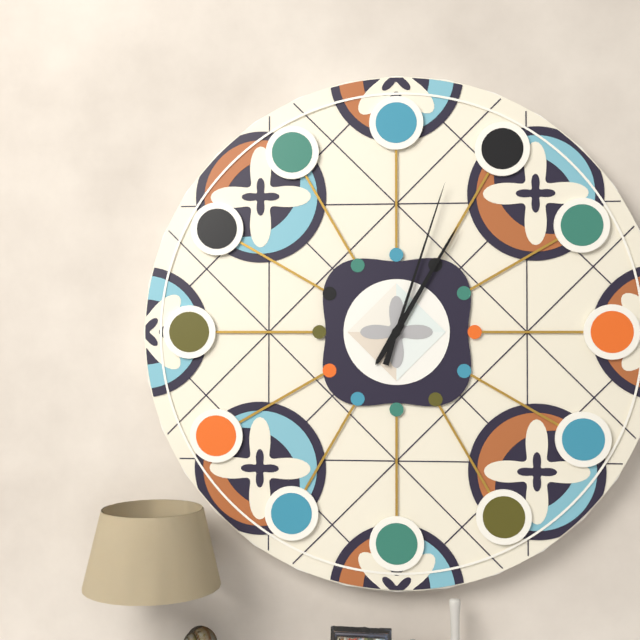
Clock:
h=7 m=5 s=3
